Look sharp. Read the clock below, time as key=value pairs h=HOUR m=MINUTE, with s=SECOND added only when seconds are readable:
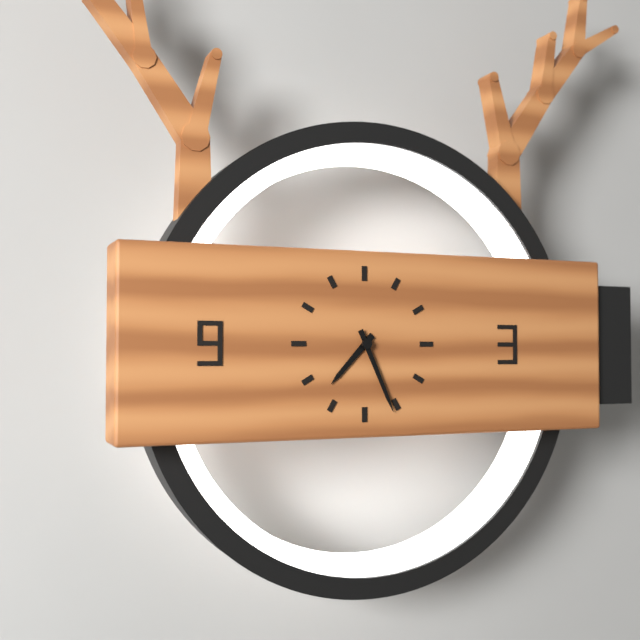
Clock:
h=7 m=26
